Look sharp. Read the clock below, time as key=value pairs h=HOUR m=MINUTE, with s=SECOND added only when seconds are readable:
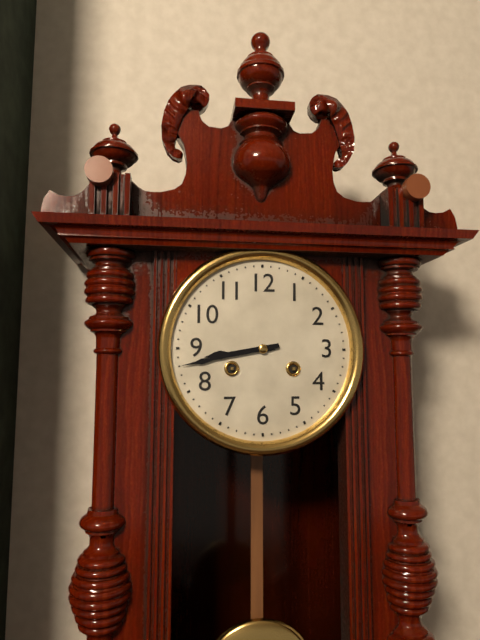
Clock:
h=8 m=43
